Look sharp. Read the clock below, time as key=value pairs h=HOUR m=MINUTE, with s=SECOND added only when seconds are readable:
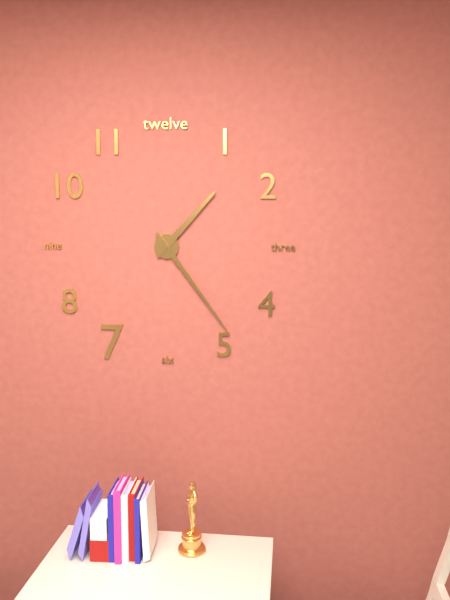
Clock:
h=1 m=24
